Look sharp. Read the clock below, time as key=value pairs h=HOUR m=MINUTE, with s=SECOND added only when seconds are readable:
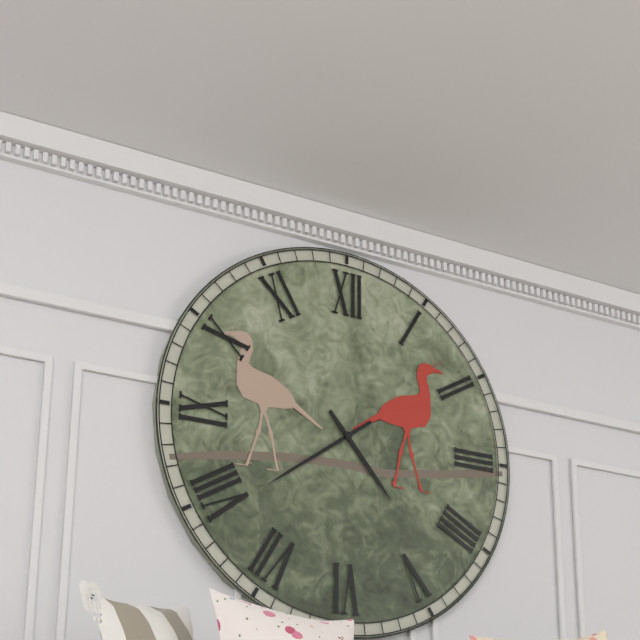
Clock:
h=4 m=39
